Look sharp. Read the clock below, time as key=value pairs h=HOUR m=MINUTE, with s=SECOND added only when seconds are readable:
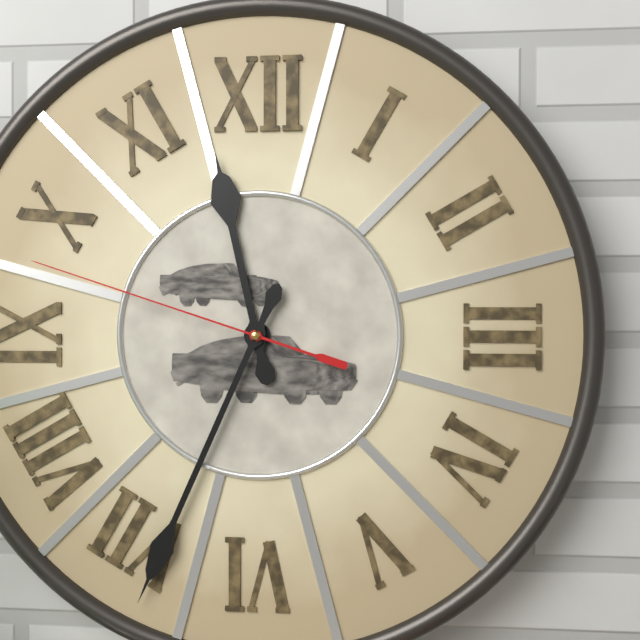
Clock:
h=11 m=34 s=48
